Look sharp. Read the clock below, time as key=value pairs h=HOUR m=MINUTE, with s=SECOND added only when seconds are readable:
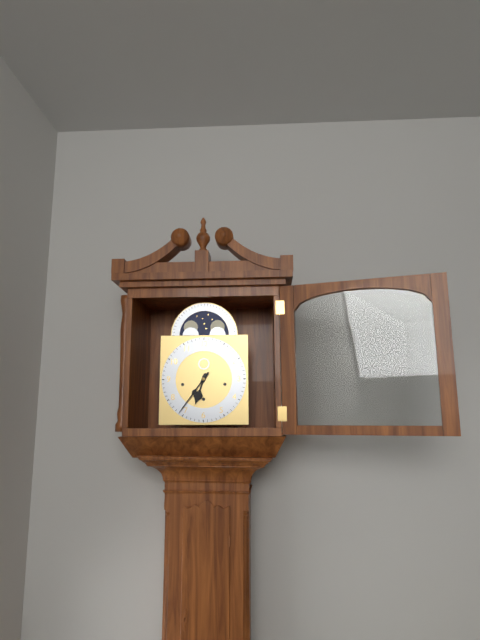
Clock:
h=6 m=36
